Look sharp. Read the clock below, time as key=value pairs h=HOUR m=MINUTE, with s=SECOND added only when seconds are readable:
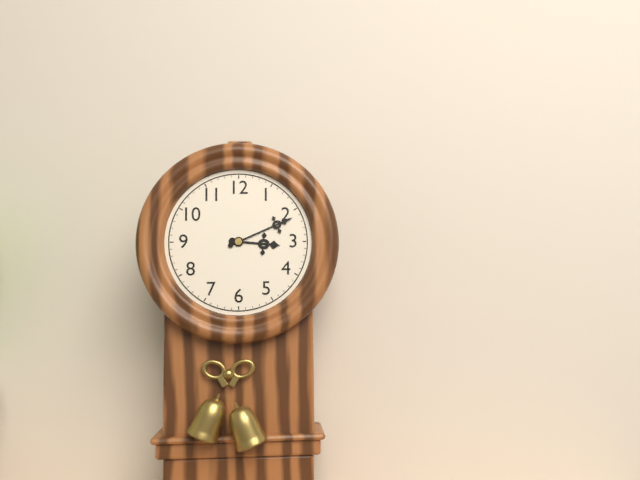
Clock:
h=3 m=11
